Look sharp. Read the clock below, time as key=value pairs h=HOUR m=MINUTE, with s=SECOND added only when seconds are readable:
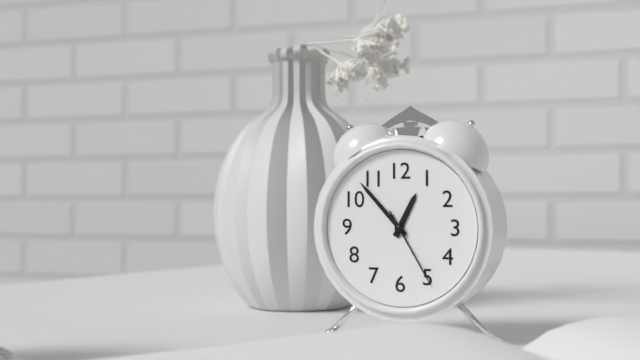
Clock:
h=12 m=53 s=25
